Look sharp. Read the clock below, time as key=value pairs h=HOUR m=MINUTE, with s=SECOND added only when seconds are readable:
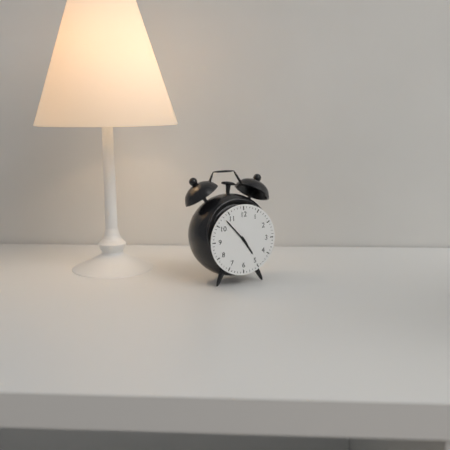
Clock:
h=4 m=53
